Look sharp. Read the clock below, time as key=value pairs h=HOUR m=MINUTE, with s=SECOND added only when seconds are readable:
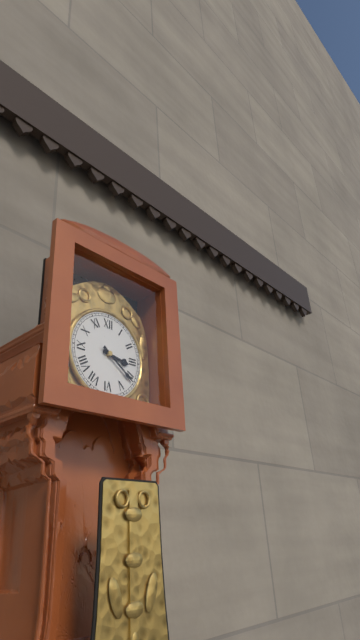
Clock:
h=3 m=21
